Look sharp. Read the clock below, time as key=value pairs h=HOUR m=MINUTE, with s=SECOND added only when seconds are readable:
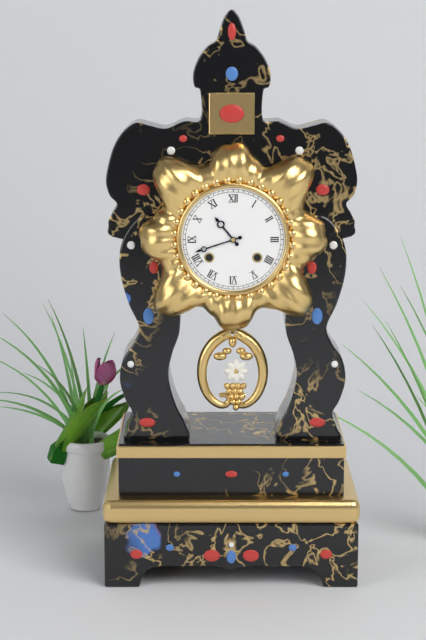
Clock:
h=10 m=42
